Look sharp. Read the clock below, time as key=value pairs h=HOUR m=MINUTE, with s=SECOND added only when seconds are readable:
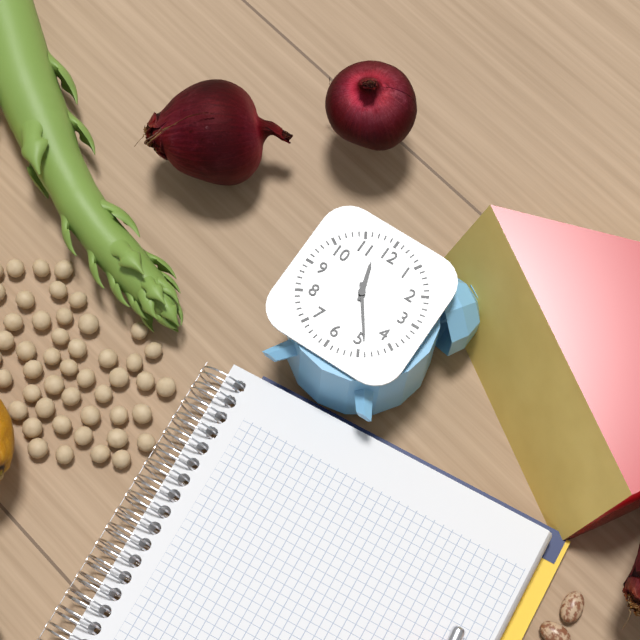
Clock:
h=11 m=24
